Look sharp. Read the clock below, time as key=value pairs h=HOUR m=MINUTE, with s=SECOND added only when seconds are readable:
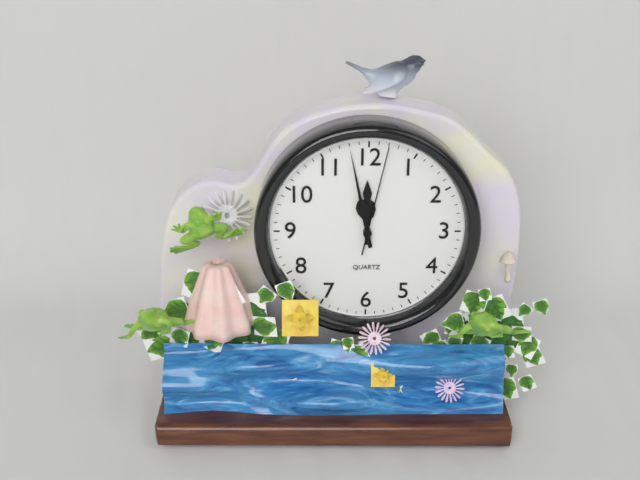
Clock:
h=11 m=58 s=2
